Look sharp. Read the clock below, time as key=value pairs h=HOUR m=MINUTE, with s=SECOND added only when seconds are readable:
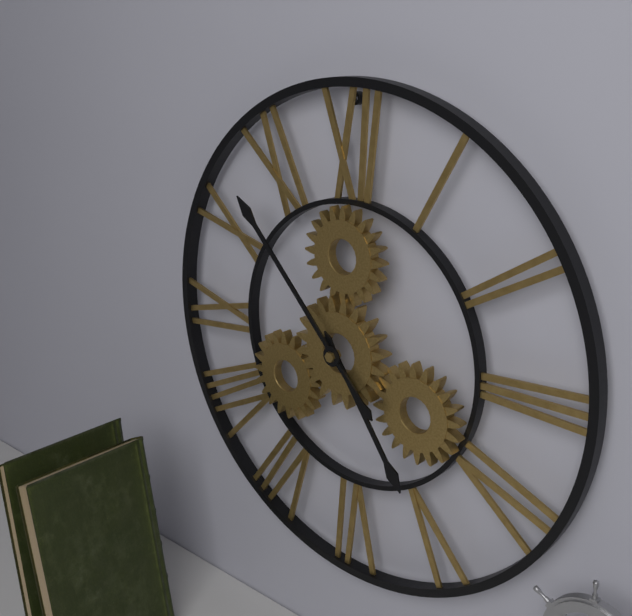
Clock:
h=4 m=53
